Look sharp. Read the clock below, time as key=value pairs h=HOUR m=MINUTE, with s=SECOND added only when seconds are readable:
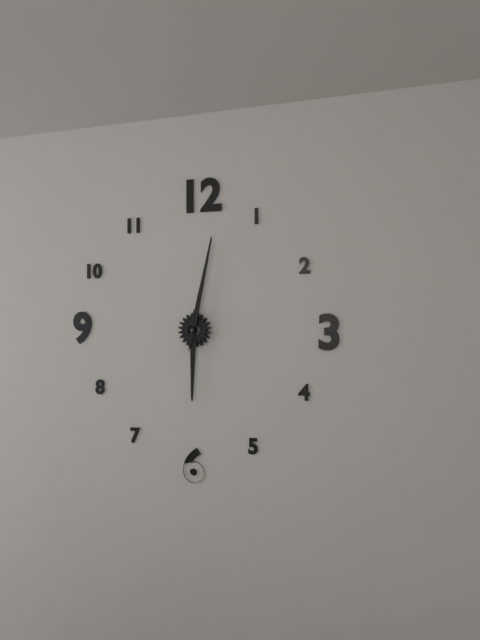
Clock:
h=6 m=2
